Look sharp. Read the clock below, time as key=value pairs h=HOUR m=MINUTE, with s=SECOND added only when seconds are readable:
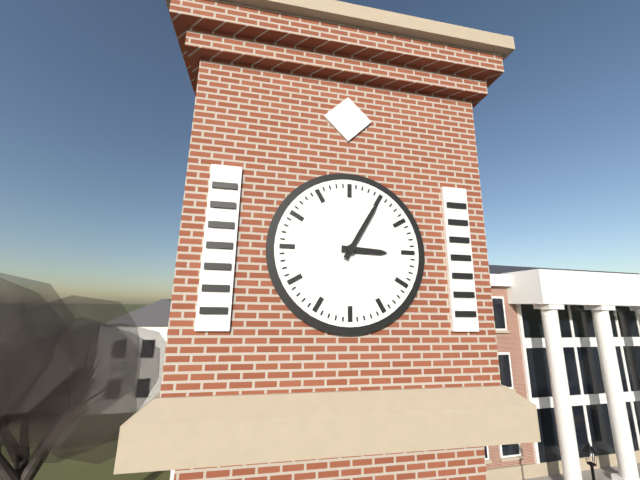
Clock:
h=3 m=5
